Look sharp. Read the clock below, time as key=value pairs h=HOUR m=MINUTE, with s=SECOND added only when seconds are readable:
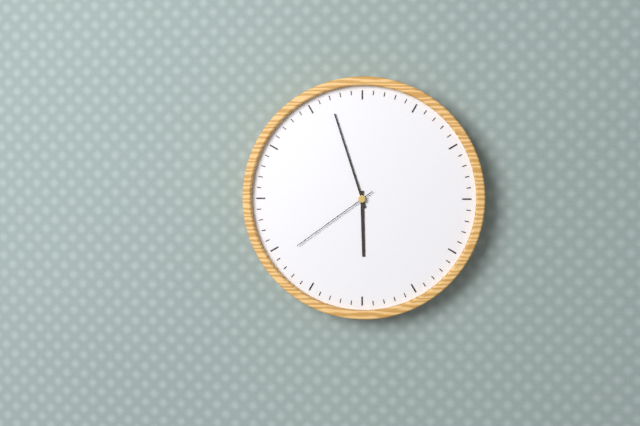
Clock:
h=5 m=57 s=39
